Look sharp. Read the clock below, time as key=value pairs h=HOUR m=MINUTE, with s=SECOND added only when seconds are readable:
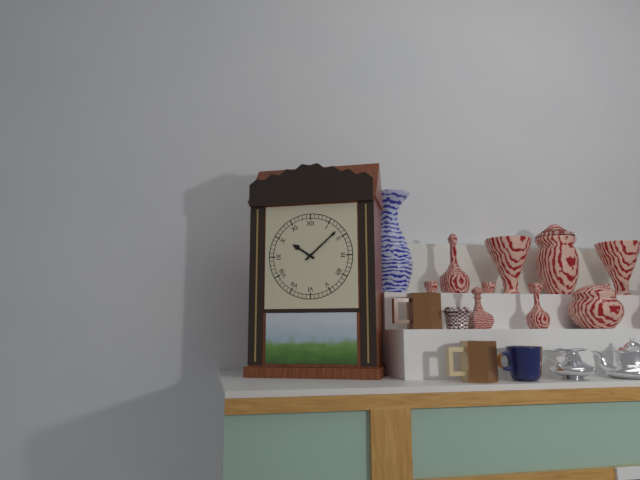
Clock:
h=10 m=8
